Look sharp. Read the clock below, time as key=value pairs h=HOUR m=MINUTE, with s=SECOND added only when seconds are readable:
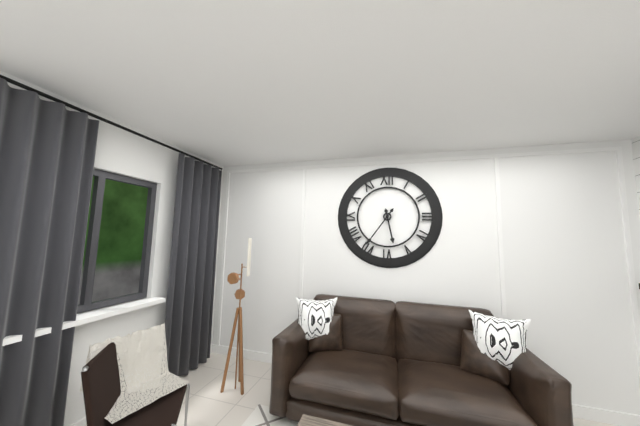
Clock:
h=5 m=36
